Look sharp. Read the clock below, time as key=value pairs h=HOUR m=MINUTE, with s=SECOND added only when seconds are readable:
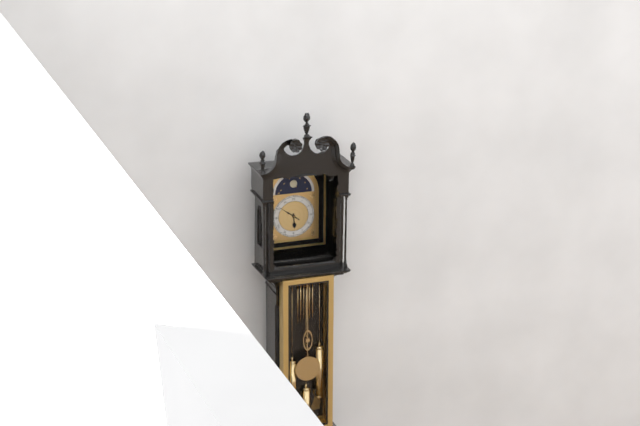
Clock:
h=5 m=51
